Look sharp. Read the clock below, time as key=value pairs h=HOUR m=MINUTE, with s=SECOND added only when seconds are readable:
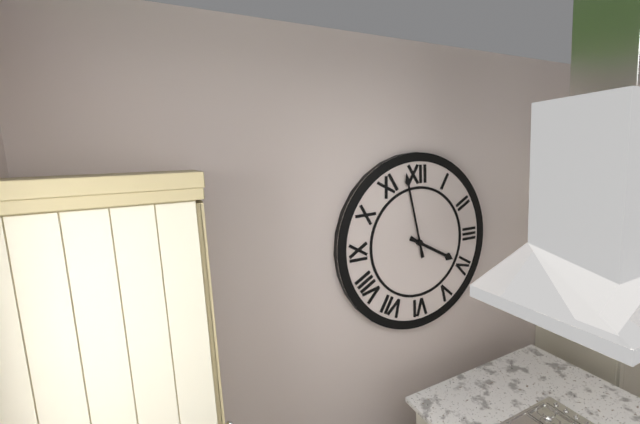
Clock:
h=3 m=58
